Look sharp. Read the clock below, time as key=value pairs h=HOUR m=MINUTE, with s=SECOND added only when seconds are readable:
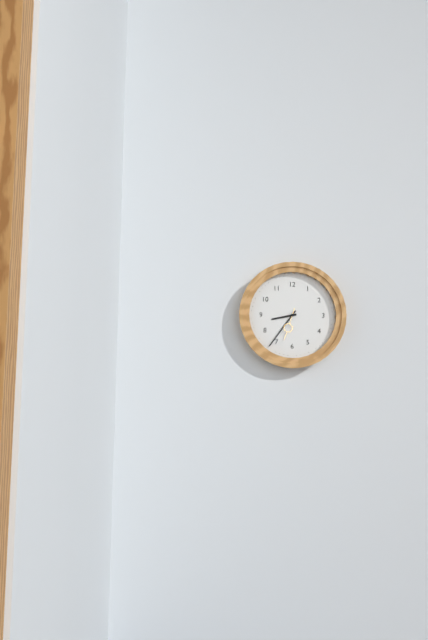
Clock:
h=8 m=36
